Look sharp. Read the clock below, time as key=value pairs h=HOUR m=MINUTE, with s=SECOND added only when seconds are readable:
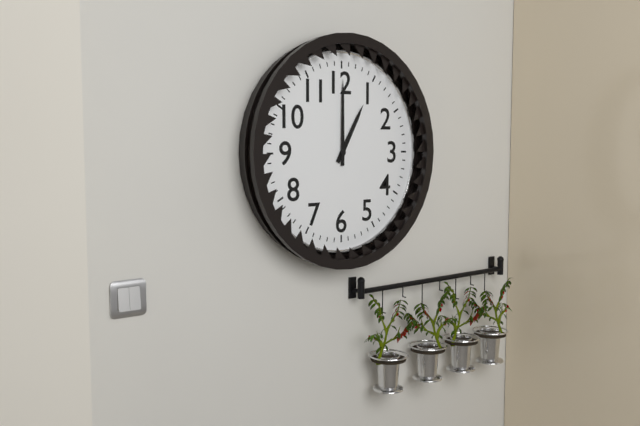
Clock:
h=1 m=0
